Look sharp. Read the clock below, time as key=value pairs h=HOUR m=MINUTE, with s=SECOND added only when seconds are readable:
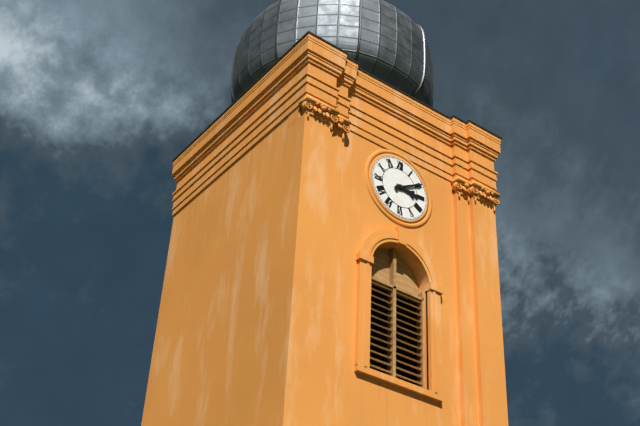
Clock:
h=3 m=10
